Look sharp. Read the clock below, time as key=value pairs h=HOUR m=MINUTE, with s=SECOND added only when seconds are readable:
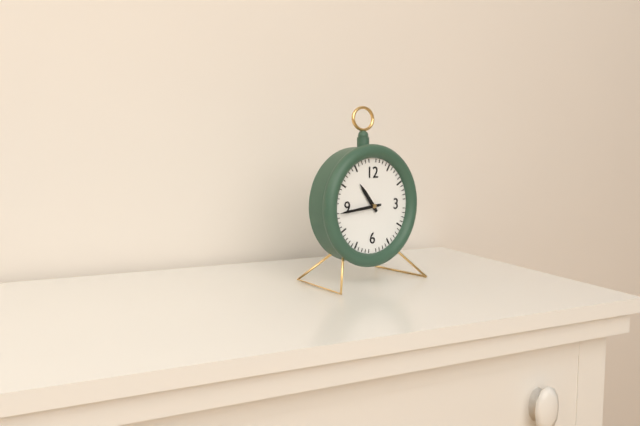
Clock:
h=10 m=44
